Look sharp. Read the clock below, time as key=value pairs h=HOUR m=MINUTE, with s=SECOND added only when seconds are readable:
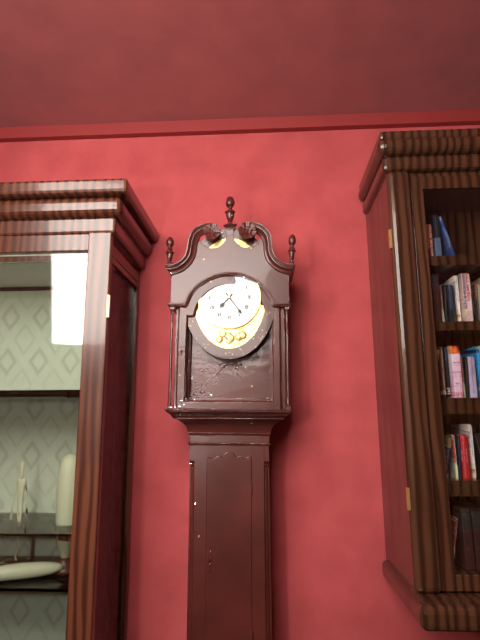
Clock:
h=7 m=24
